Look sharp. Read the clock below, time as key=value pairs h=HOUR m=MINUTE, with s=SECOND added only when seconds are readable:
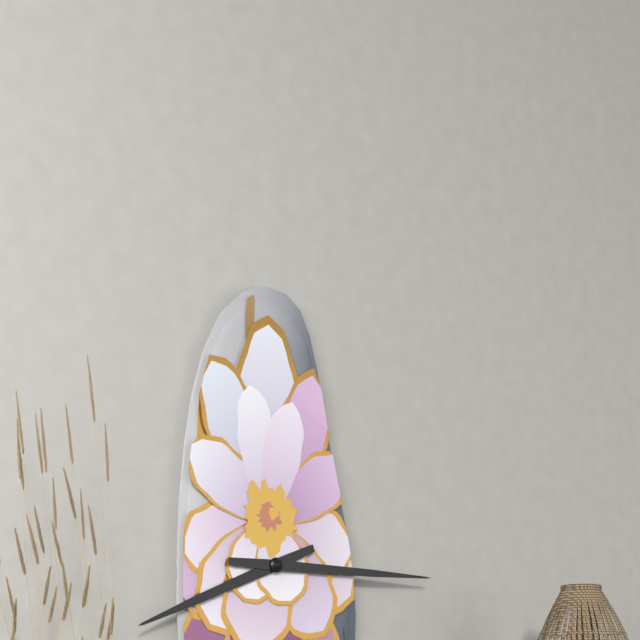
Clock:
h=8 m=15
